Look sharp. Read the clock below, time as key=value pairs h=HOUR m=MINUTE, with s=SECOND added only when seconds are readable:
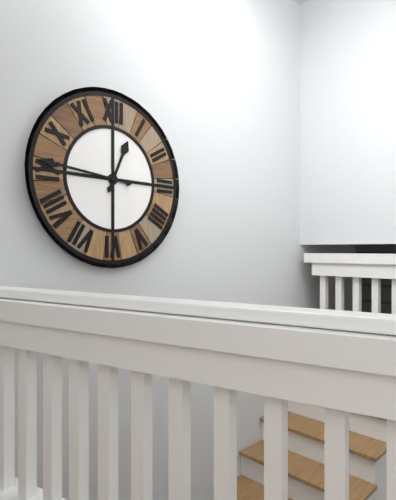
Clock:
h=12 m=46
